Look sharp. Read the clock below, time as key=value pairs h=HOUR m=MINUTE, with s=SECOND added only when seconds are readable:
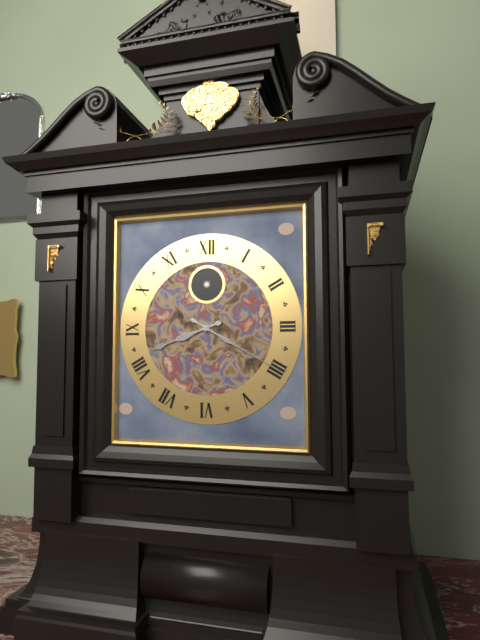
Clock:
h=8 m=20
